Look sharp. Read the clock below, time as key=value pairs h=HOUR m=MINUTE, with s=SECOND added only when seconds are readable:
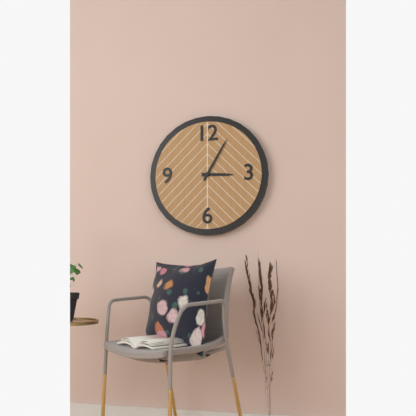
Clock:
h=3 m=5
